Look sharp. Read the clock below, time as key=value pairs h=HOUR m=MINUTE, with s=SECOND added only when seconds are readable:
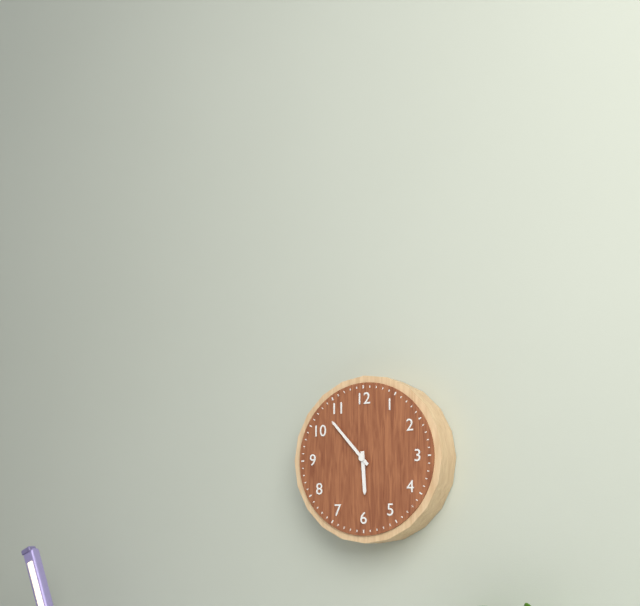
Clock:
h=5 m=53
